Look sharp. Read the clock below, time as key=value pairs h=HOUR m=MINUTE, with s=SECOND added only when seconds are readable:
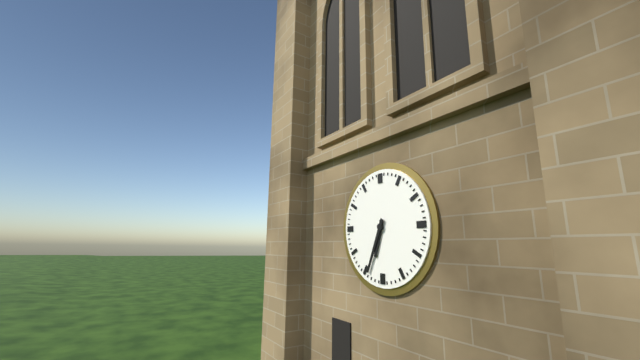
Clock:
h=6 m=34
